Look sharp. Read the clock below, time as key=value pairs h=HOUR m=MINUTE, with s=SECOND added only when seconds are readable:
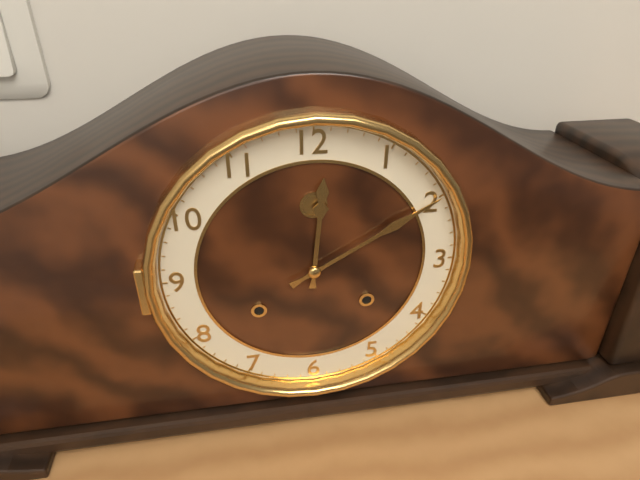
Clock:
h=12 m=10
